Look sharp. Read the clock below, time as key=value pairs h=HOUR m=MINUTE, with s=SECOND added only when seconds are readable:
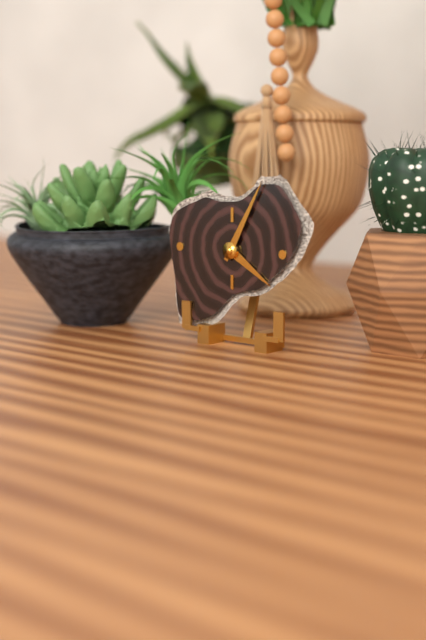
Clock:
h=4 m=5
